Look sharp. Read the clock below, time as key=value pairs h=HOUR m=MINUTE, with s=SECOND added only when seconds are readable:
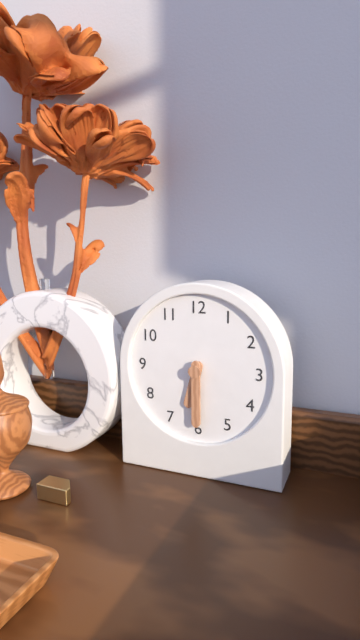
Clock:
h=6 m=30
